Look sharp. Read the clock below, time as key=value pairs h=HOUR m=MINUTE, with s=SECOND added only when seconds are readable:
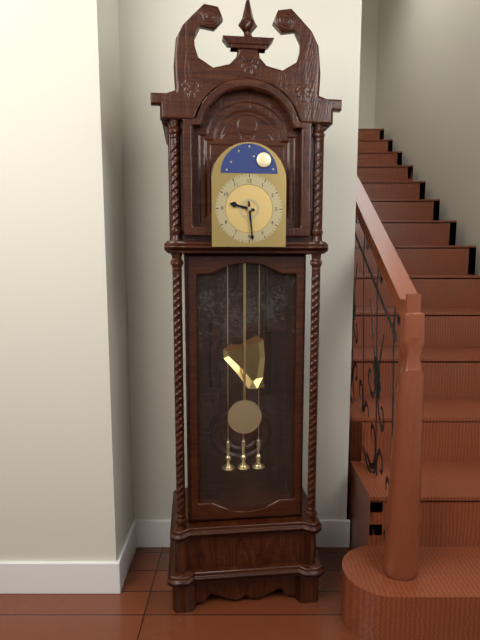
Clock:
h=9 m=29
